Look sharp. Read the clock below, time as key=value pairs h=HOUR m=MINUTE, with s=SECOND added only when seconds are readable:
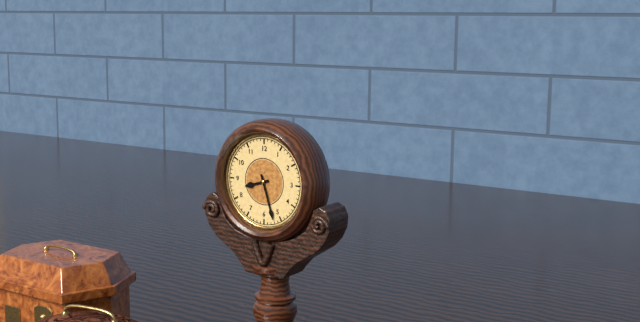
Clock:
h=8 m=27
